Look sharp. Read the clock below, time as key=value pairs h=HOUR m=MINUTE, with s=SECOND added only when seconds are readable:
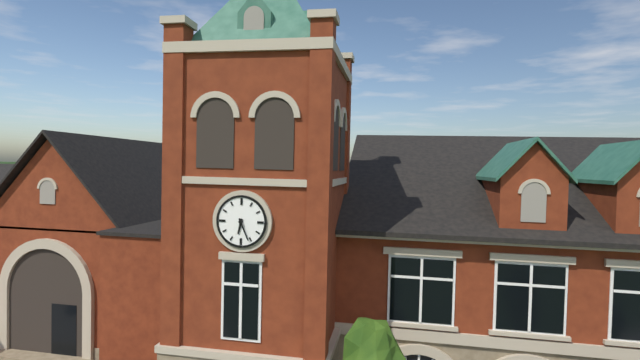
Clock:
h=6 m=26
